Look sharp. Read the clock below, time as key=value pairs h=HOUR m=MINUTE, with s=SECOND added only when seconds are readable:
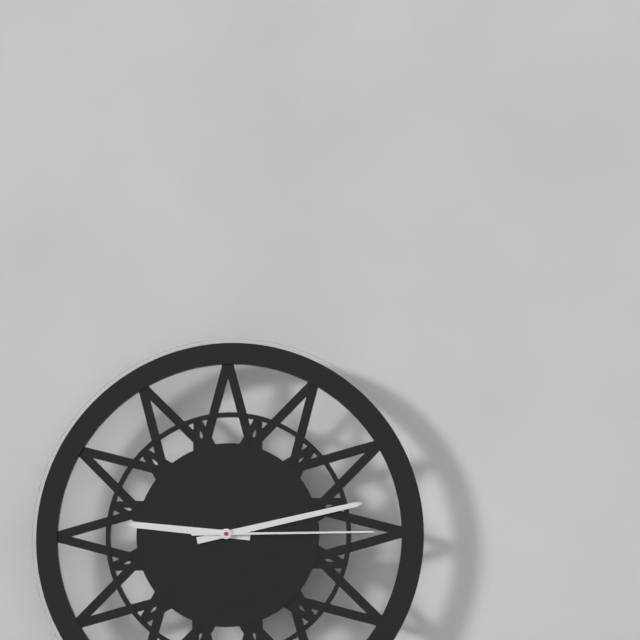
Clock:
h=9 m=13 s=15
